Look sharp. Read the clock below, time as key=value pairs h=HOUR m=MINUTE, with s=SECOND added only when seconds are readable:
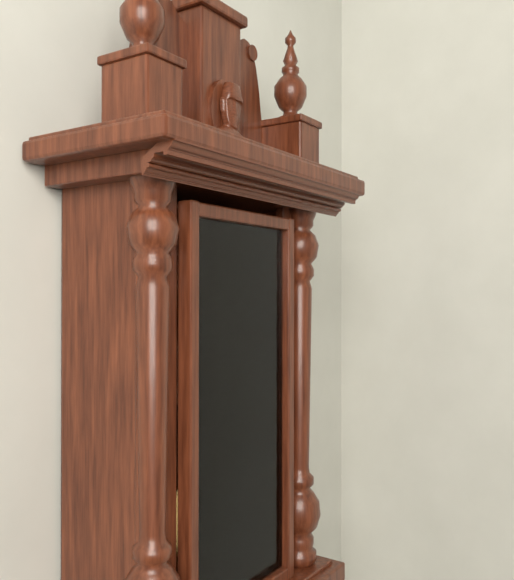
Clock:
h=5 m=52
